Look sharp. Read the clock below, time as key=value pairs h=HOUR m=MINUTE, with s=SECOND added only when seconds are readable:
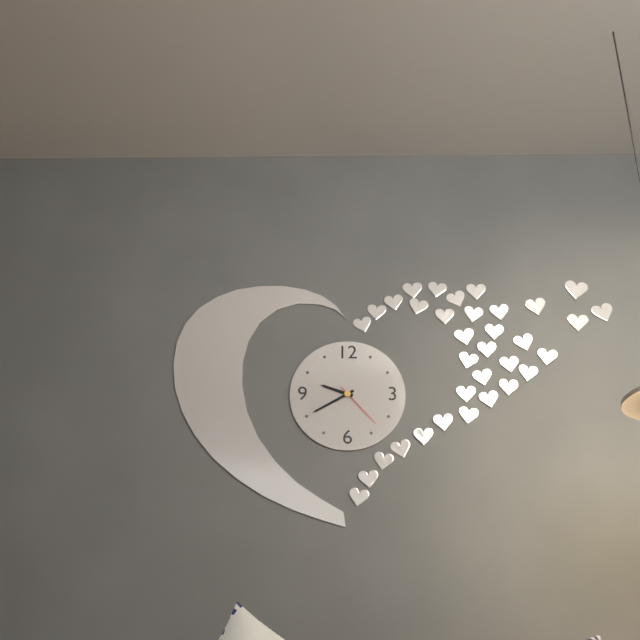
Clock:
h=9 m=40 s=23
